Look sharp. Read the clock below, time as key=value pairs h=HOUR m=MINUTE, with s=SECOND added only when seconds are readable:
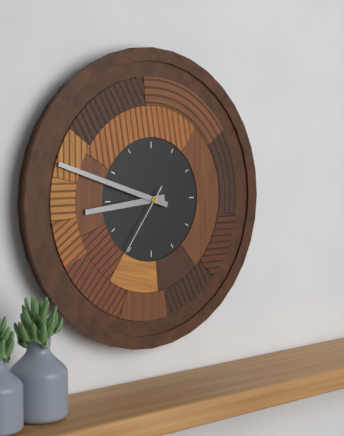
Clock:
h=8 m=48 s=36
